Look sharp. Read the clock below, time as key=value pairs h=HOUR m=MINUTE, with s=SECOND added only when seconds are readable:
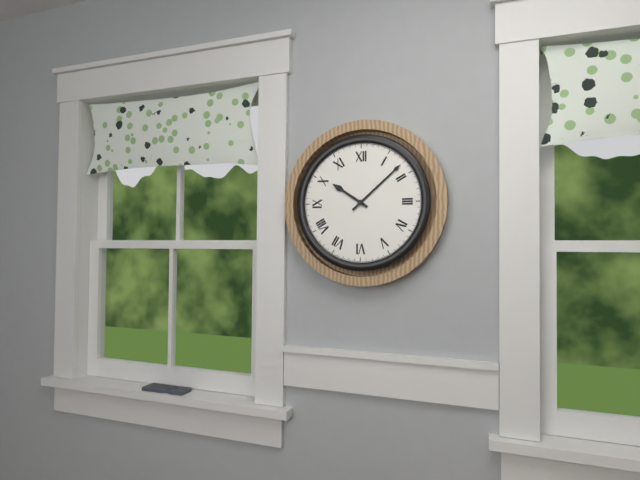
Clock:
h=10 m=8
